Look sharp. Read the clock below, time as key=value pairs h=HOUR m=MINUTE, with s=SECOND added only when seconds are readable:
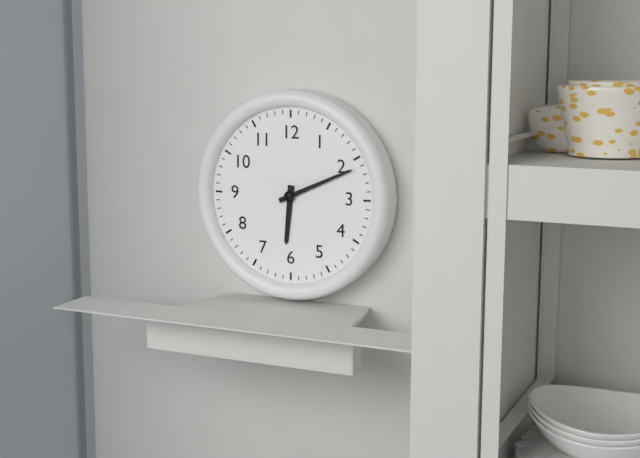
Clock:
h=6 m=11
